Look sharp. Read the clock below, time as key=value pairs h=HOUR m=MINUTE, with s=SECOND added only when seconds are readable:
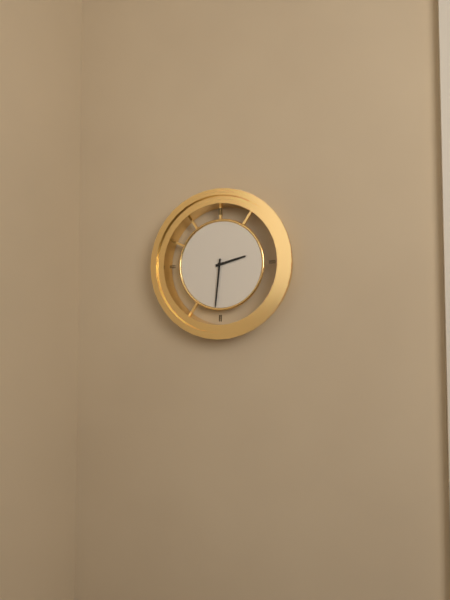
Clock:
h=2 m=31
